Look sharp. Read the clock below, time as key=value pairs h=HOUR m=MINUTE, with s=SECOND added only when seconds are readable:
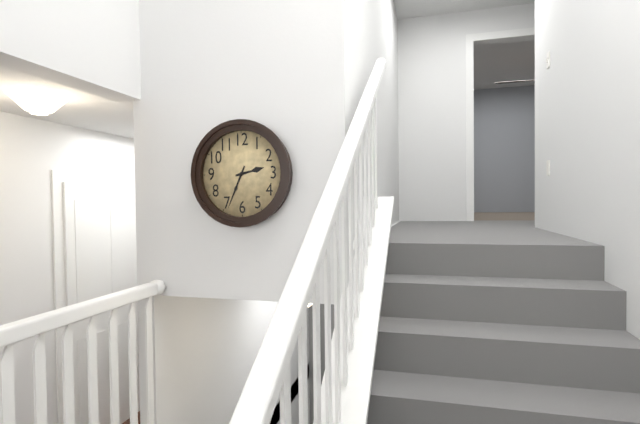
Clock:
h=2 m=34
